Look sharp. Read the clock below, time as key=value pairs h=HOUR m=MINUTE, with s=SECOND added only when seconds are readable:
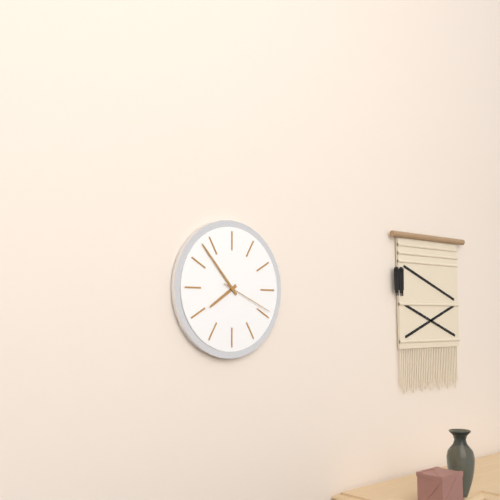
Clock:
h=7 m=53 s=19
